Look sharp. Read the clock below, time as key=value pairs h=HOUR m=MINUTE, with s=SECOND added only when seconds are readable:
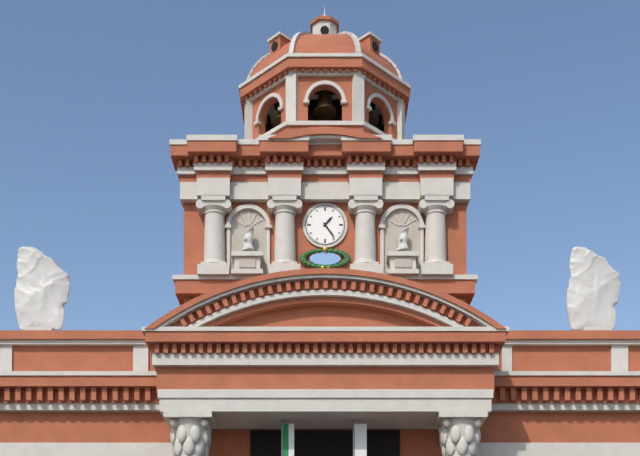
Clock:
h=1 m=24
